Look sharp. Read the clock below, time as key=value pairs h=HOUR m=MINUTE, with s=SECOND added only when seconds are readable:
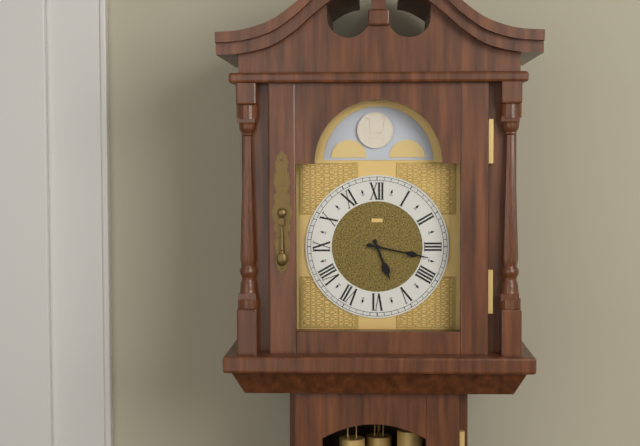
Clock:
h=5 m=17
